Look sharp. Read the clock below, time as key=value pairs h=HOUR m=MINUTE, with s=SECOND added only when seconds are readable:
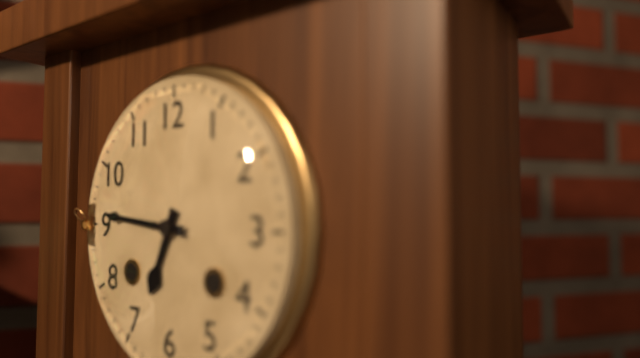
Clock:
h=6 m=46
